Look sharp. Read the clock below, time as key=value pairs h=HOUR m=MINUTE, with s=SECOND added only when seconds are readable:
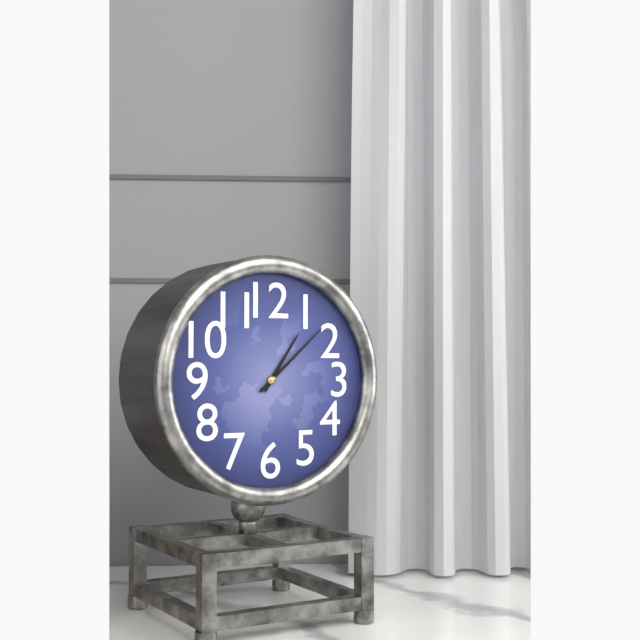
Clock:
h=1 m=8
